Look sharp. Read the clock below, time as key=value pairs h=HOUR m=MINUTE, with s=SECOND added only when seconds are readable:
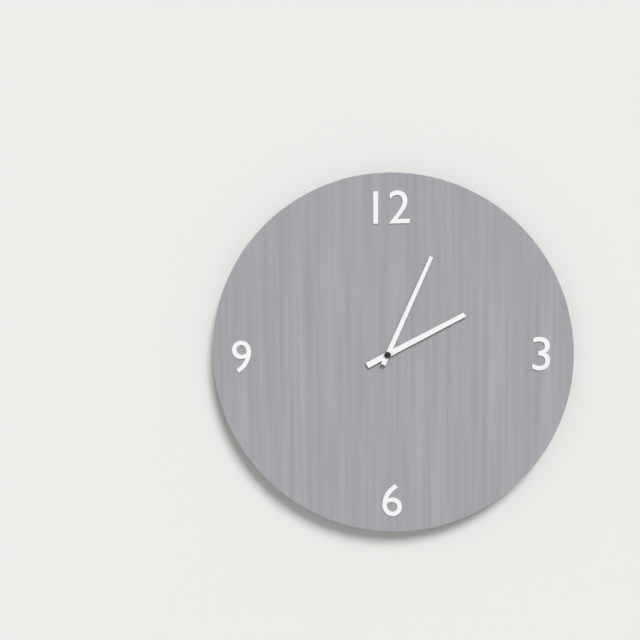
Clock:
h=2 m=4
